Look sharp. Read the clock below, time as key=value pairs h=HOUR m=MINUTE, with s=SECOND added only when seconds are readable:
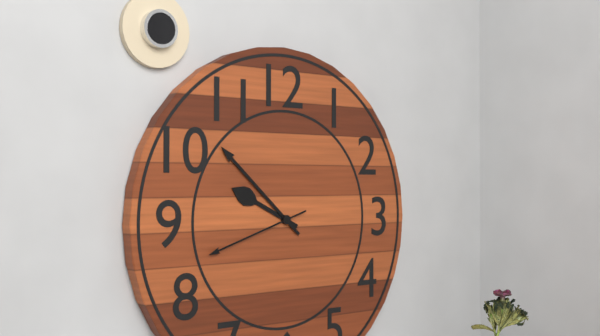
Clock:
h=9 m=52 s=42
